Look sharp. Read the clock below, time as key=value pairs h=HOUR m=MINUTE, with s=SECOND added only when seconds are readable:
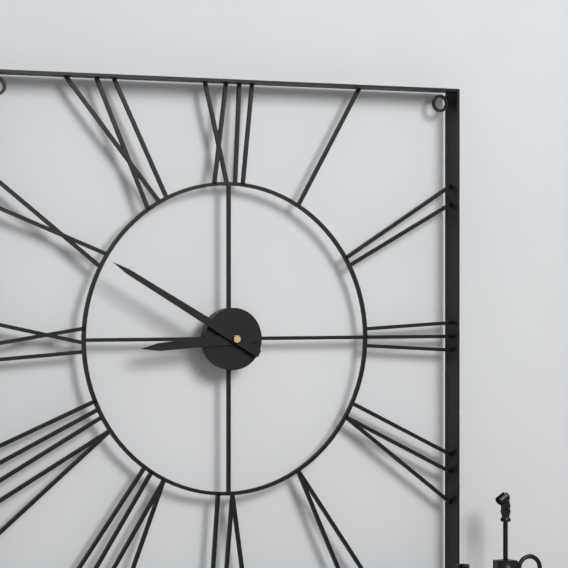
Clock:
h=8 m=50
